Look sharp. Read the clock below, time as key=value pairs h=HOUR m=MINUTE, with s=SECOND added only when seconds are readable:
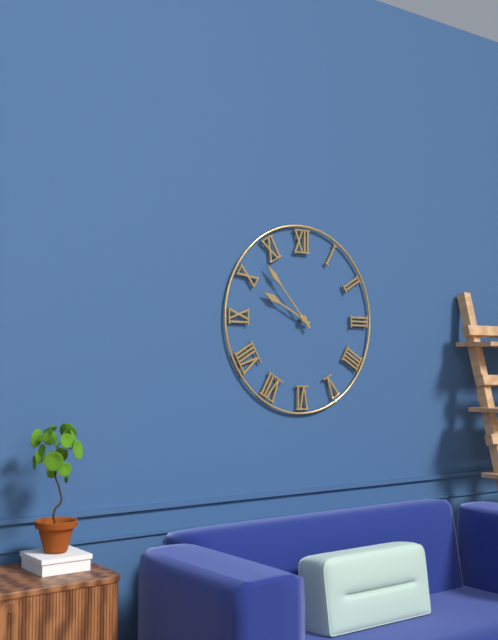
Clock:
h=9 m=53
